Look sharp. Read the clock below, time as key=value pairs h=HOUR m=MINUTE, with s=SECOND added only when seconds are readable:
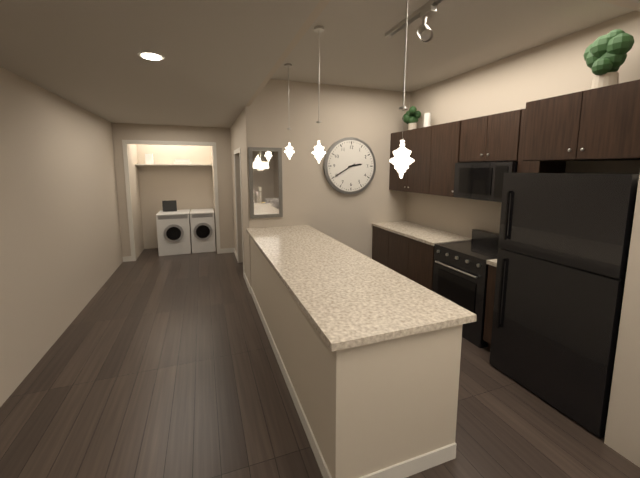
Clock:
h=2 m=40
